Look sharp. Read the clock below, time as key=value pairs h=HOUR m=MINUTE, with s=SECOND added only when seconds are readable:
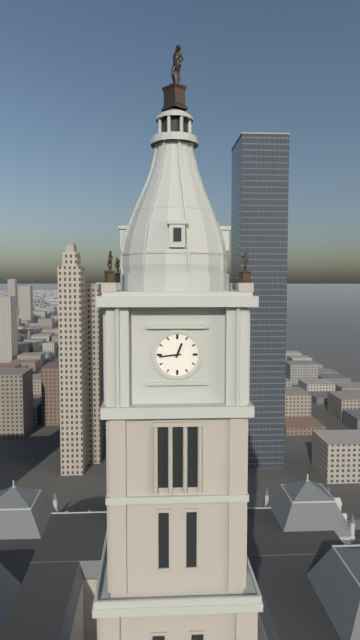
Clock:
h=12 m=44
